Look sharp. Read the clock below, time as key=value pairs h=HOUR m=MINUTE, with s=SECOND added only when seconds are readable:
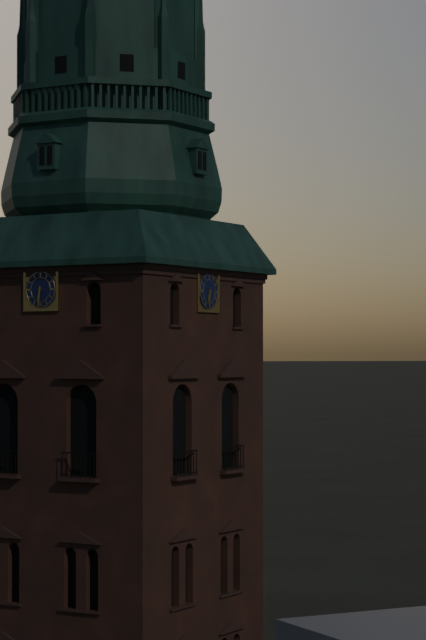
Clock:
h=6 m=31
